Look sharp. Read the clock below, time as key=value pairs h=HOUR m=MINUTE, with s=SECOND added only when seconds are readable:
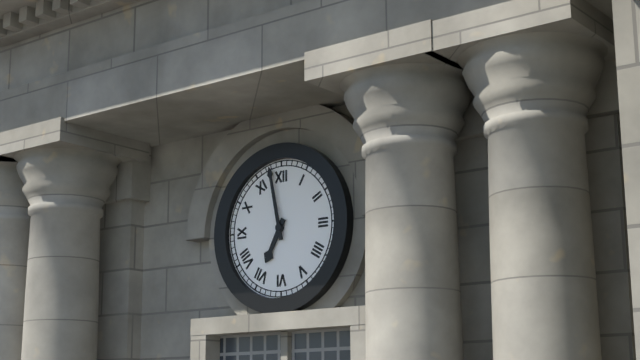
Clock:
h=6 m=58
